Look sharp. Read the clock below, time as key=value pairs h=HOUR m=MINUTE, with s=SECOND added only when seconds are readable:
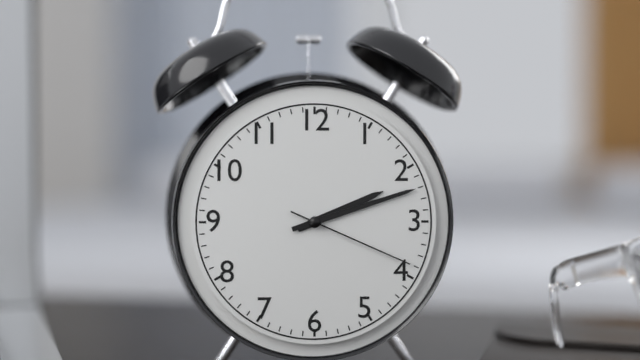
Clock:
h=2 m=12 s=19
